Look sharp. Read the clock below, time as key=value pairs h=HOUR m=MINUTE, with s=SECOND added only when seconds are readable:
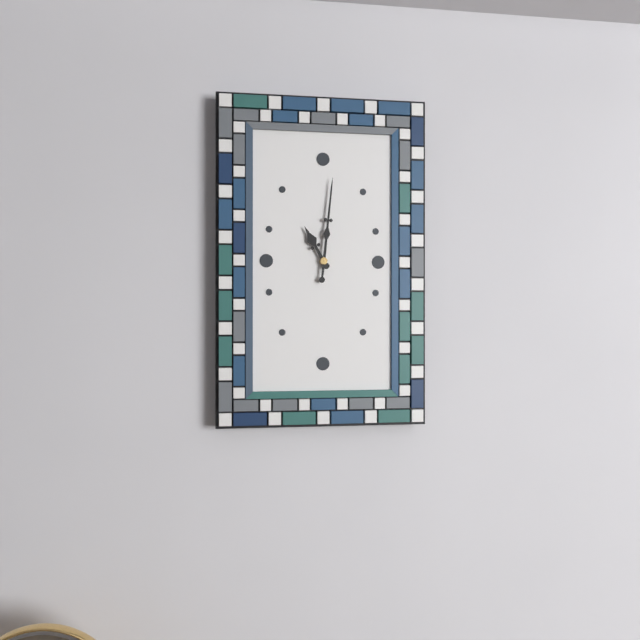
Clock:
h=11 m=1
